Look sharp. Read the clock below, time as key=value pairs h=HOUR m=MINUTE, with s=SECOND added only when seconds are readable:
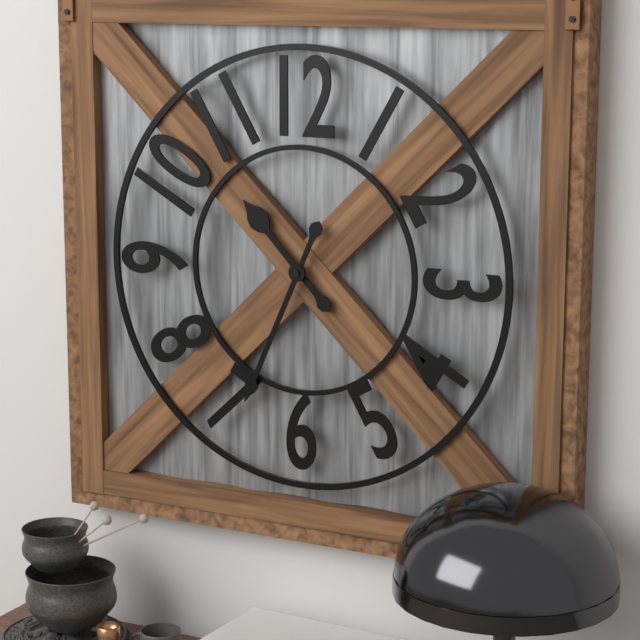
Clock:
h=10 m=34
